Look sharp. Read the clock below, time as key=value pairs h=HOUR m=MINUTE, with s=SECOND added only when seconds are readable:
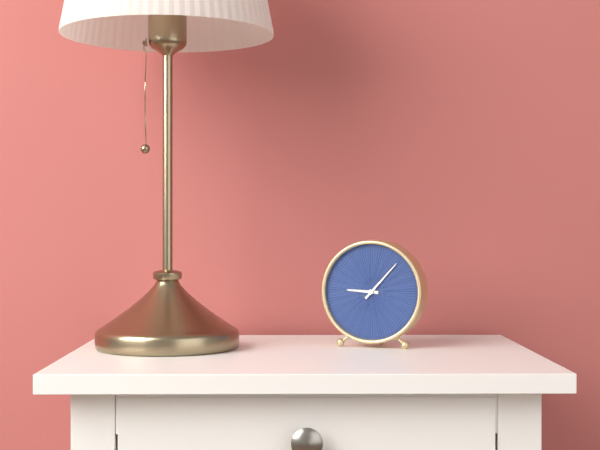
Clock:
h=9 m=7
